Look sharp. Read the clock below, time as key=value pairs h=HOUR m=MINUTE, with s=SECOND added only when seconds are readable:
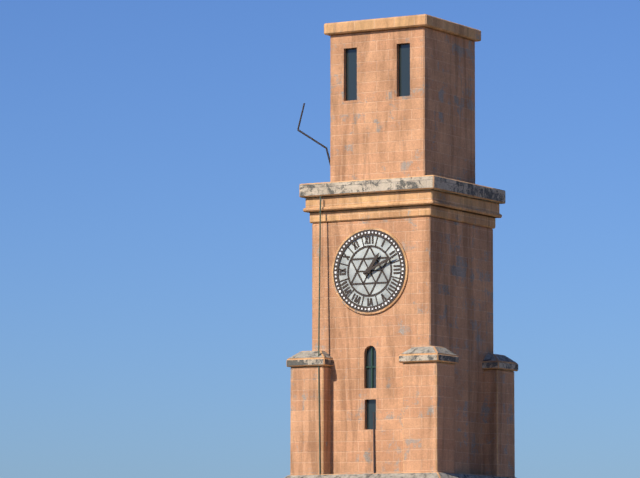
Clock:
h=1 m=11
